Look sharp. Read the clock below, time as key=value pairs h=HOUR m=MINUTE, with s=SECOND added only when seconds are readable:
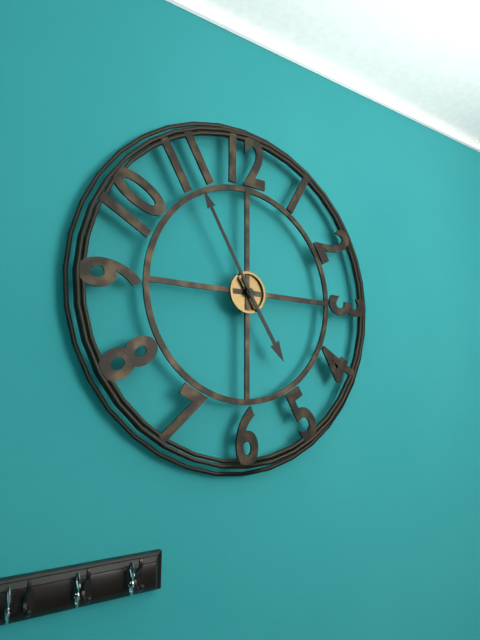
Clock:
h=4 m=55
